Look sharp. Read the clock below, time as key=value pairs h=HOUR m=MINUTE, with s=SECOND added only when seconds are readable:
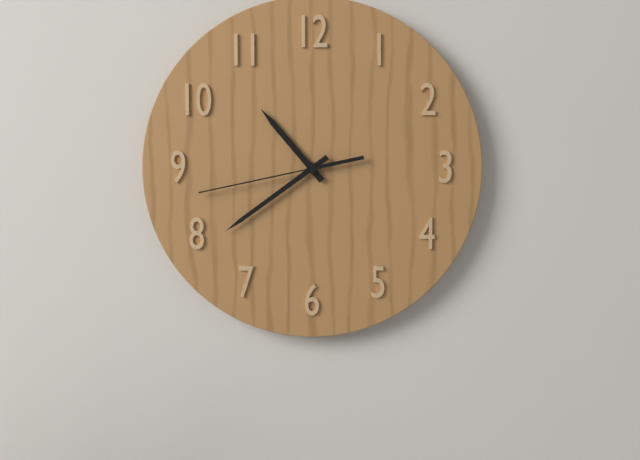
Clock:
h=10 m=39 s=43
